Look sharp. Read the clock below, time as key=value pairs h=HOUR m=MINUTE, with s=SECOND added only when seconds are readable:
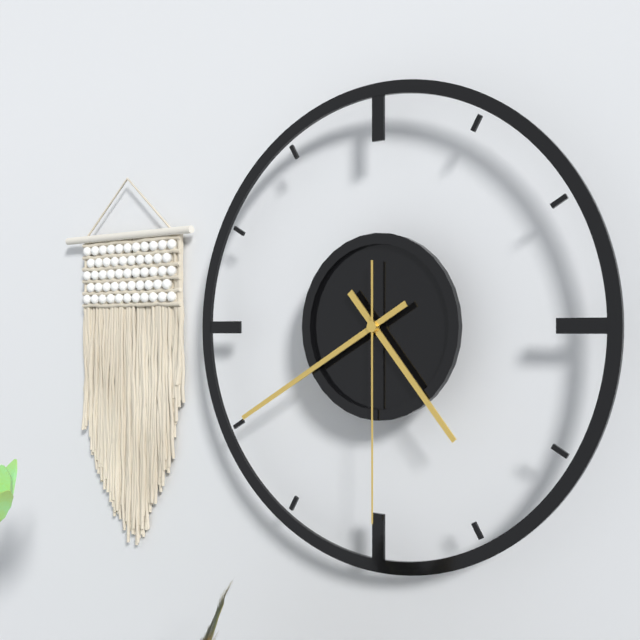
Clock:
h=4 m=40 s=30
